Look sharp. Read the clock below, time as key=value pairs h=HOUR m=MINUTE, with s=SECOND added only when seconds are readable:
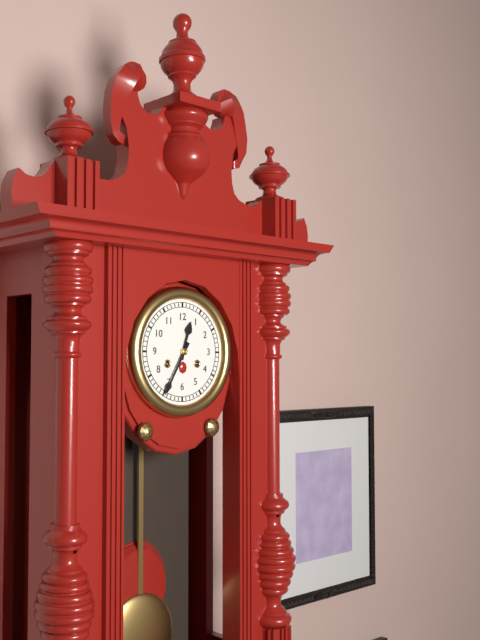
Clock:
h=12 m=35
